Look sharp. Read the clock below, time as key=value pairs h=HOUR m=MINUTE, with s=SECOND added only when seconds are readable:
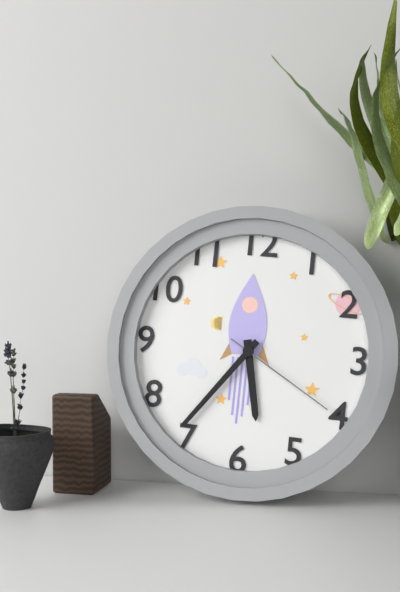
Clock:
h=5 m=36 s=20
